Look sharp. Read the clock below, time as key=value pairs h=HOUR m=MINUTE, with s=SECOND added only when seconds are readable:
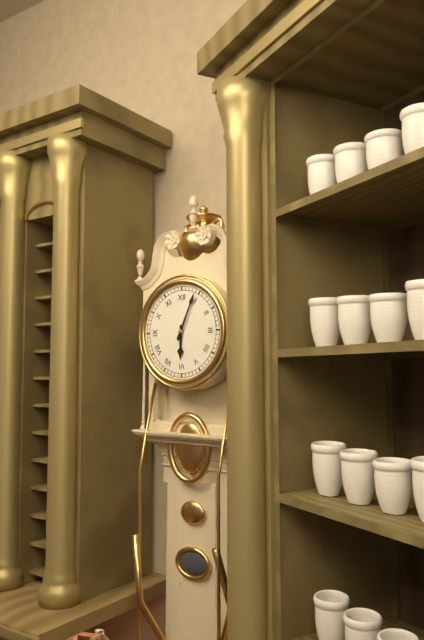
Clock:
h=6 m=4
